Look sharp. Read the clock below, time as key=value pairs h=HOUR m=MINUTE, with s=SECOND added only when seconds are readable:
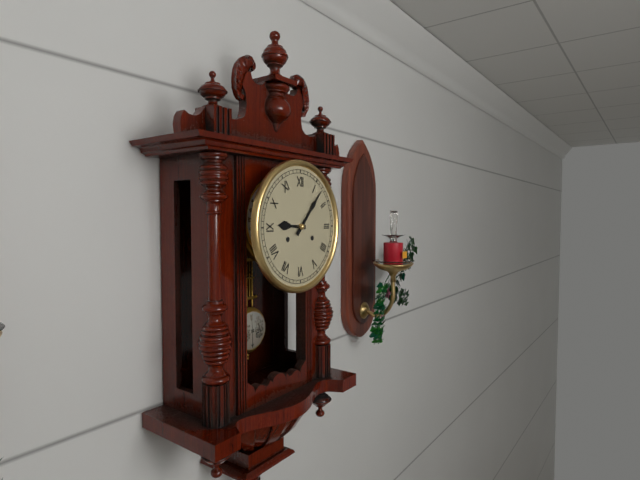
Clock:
h=9 m=7
